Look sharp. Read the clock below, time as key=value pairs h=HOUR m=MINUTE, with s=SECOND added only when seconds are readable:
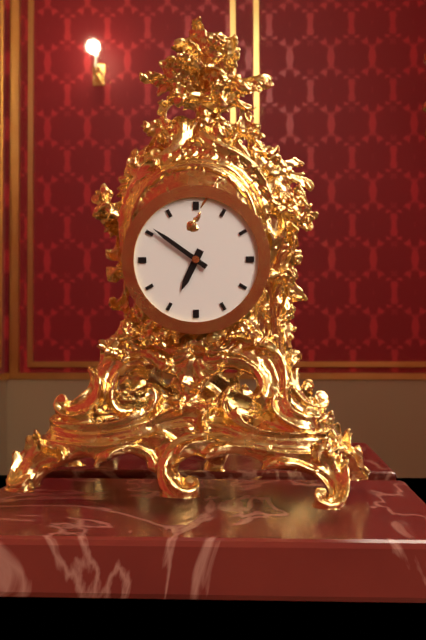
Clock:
h=6 m=51
